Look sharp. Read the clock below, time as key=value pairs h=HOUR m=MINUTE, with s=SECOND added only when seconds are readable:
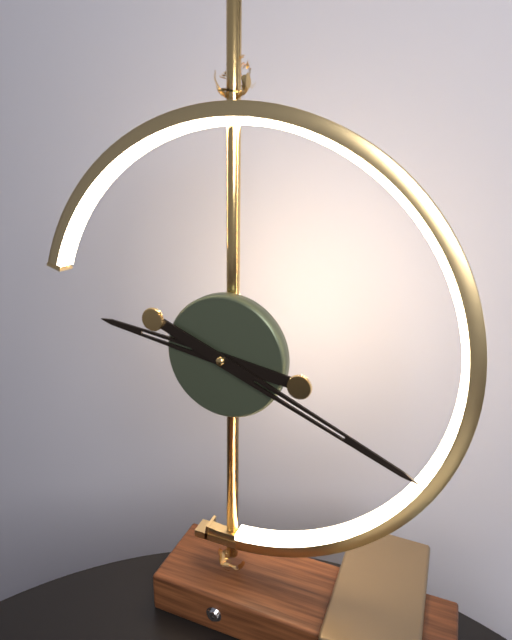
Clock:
h=9 m=19
